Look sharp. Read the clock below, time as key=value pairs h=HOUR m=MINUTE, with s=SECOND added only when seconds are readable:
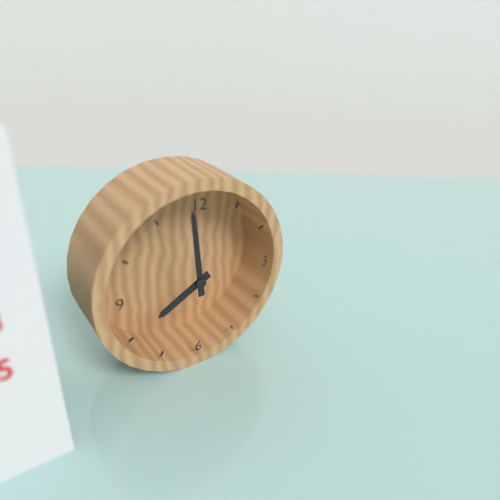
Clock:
h=7 m=59
